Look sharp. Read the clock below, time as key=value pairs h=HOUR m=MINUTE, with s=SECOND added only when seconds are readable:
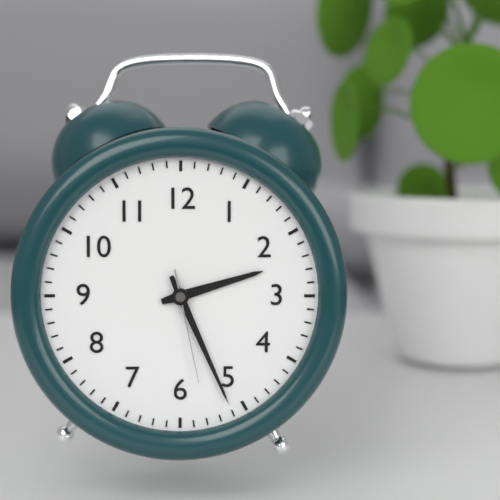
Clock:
h=2 m=26 s=28
